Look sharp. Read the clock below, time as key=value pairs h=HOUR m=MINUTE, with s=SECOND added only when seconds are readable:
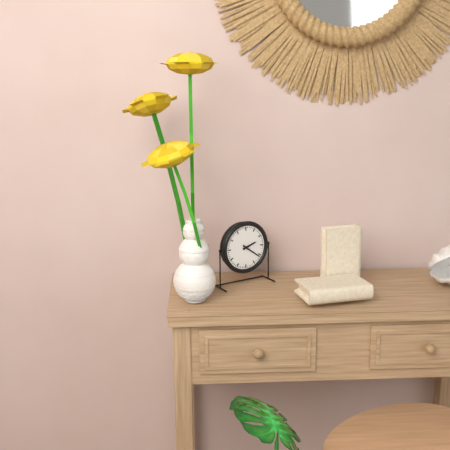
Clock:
h=2 m=21
